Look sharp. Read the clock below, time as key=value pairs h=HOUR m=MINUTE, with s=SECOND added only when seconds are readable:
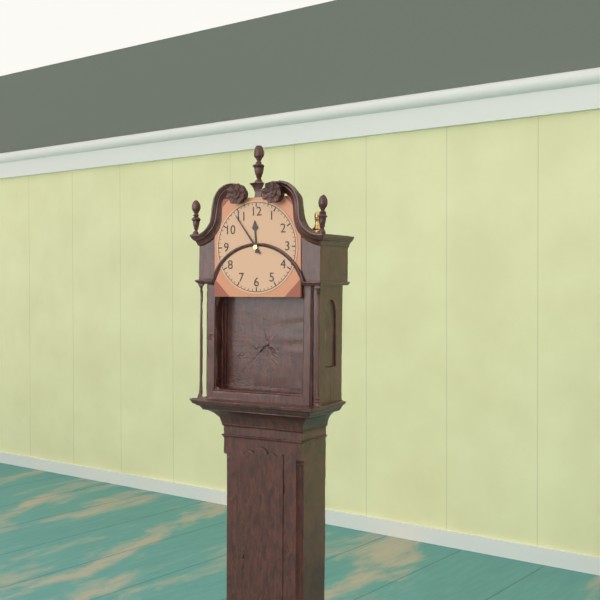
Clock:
h=11 m=54
